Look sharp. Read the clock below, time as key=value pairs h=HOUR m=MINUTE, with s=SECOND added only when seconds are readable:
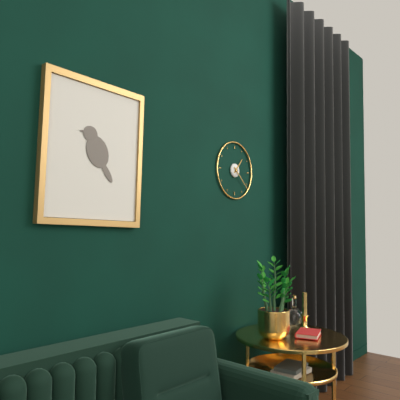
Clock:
h=1 m=22
